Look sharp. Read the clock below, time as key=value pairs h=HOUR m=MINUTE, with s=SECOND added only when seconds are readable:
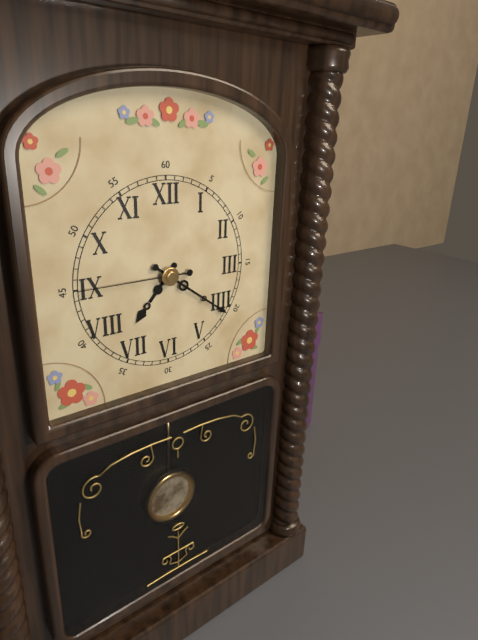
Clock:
h=7 m=21 s=45
